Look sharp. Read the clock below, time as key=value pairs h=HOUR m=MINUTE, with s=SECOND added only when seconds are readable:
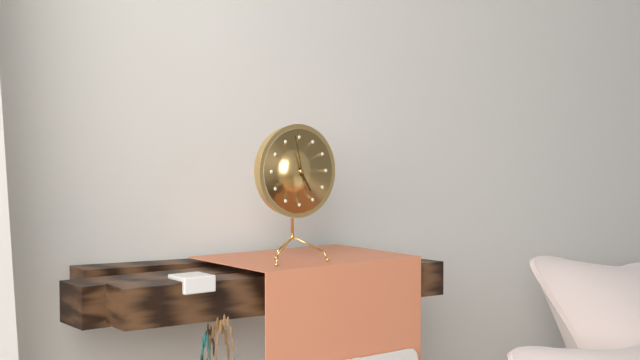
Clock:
h=4 m=58
